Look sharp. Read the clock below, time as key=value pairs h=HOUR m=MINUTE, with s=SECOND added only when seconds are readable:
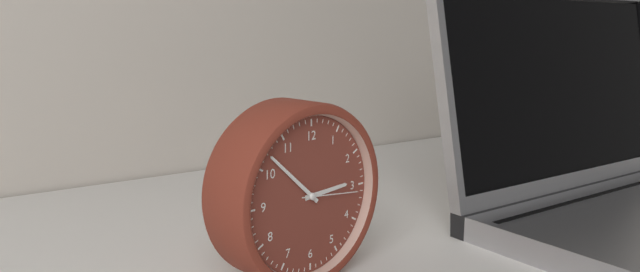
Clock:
h=2 m=52 s=16
